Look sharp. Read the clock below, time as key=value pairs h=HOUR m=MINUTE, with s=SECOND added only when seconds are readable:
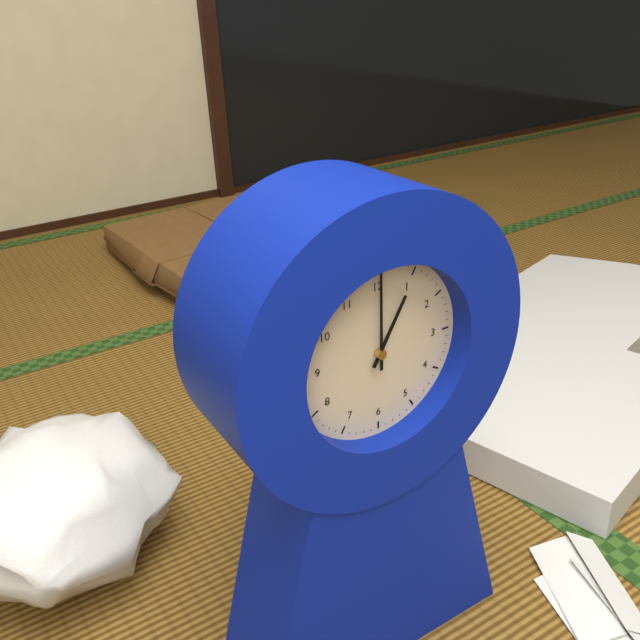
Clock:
h=1 m=0
